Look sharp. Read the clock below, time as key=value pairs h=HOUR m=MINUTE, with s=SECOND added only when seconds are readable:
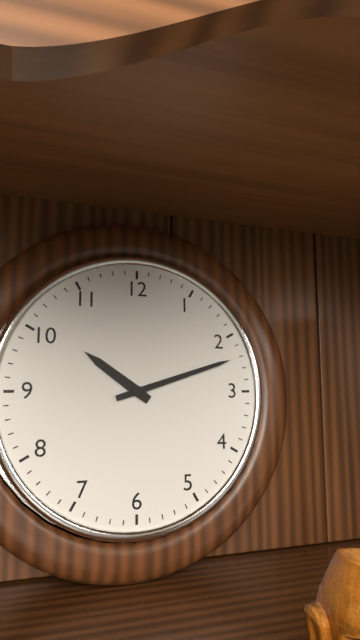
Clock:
h=10 m=12
